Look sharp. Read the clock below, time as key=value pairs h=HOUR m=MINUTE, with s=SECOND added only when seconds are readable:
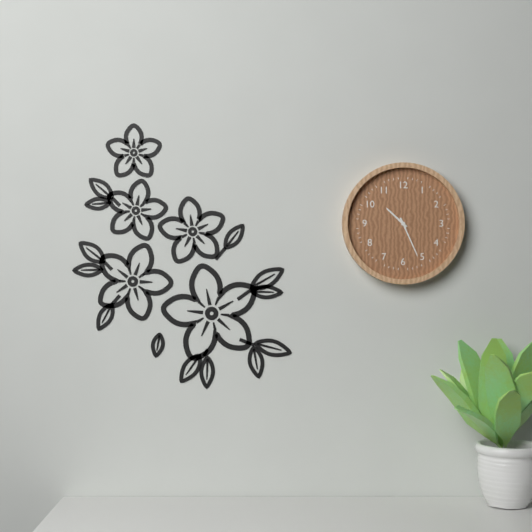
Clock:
h=10 m=26
